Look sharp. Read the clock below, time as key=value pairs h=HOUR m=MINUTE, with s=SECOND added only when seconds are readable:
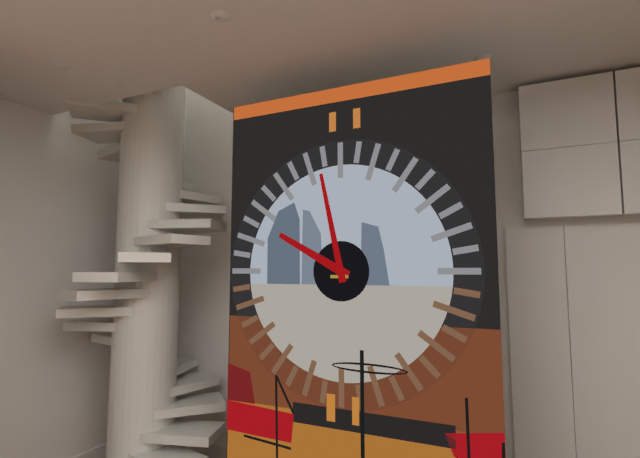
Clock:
h=9 m=58
